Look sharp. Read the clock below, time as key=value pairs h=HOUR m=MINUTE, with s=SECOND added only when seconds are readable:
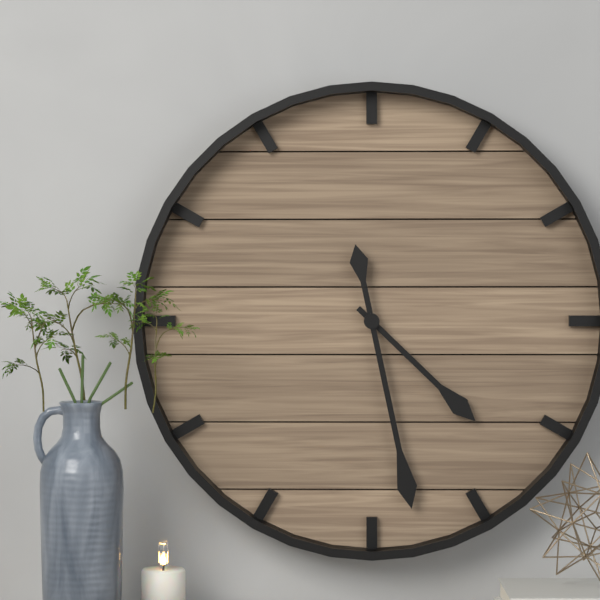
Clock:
h=4 m=28
